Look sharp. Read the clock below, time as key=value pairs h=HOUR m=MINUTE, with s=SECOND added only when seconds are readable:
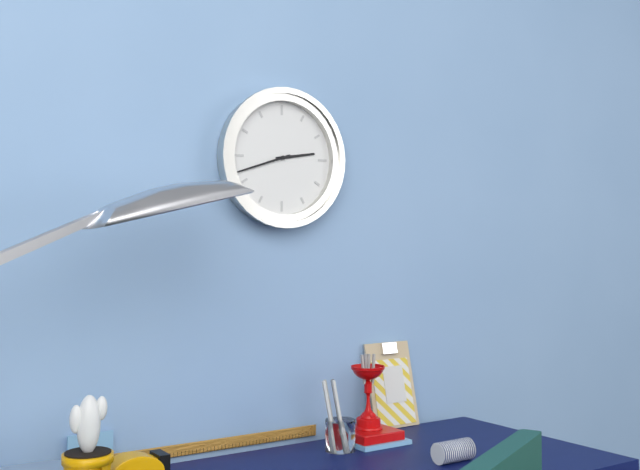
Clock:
h=2 m=42
